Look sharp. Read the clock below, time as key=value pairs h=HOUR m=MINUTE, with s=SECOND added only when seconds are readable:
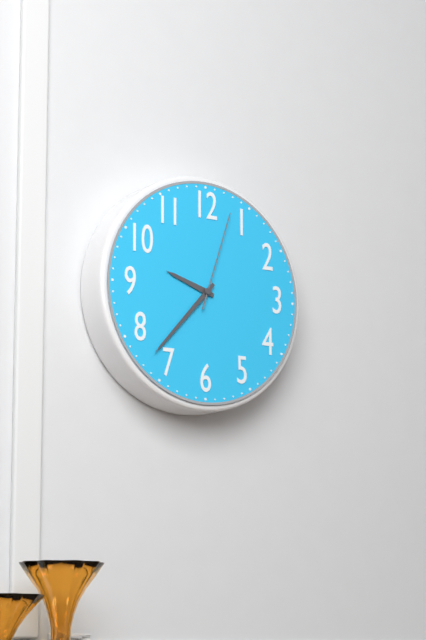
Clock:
h=9 m=37 s=3
